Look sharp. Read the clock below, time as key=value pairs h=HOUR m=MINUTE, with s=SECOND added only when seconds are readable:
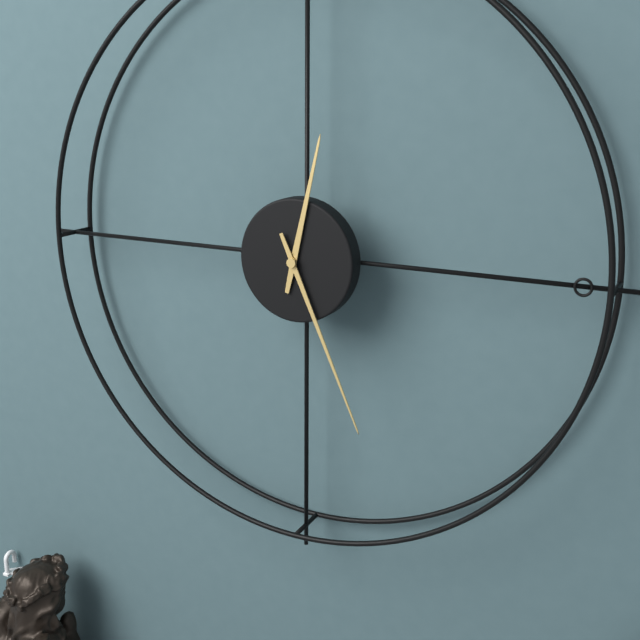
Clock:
h=12 m=26
